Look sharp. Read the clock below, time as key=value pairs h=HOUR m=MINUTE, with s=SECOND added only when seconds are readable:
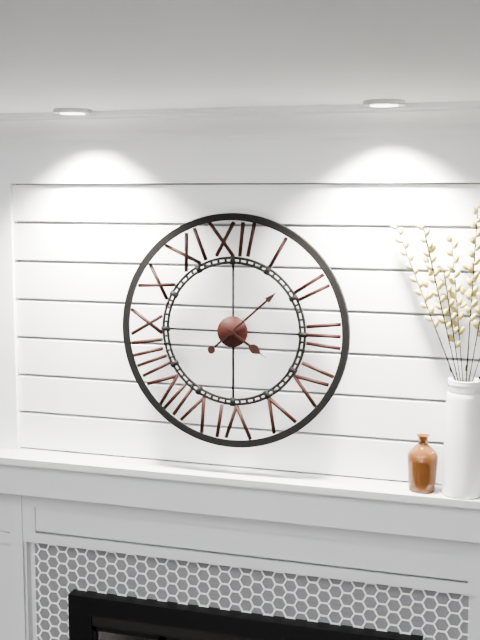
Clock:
h=4 m=8
